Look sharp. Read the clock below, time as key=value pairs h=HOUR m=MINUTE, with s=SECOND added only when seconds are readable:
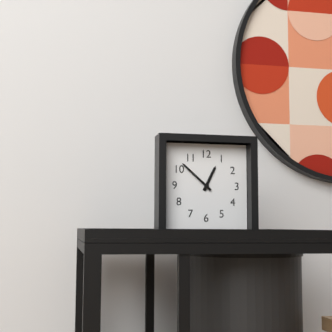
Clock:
h=12 m=52
